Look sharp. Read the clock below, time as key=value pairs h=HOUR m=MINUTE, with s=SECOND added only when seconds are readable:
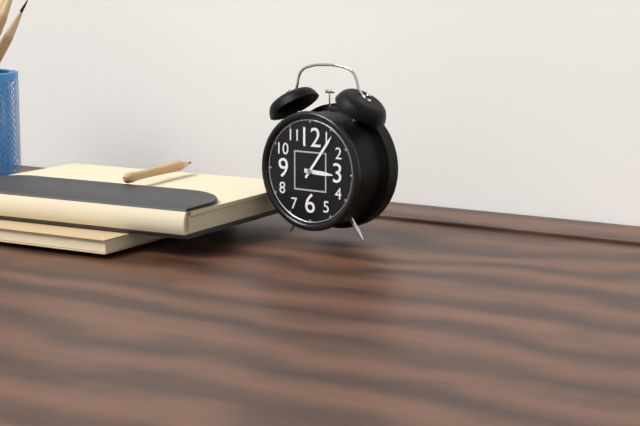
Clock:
h=3 m=6
